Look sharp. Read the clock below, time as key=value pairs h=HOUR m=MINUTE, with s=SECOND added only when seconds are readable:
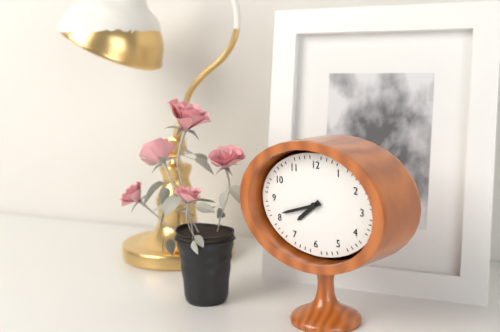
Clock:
h=7 m=42
